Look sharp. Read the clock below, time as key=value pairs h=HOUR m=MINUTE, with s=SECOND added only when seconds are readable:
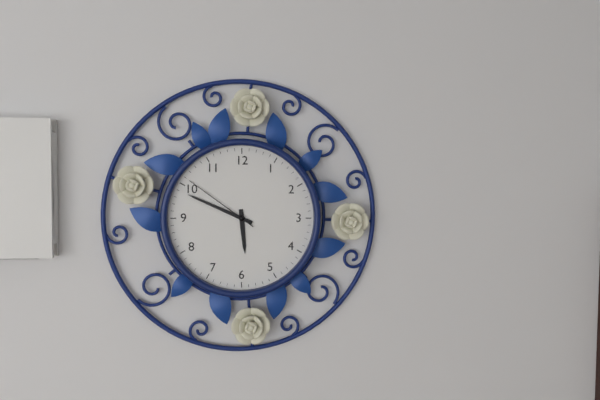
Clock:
h=5 m=49 s=51
